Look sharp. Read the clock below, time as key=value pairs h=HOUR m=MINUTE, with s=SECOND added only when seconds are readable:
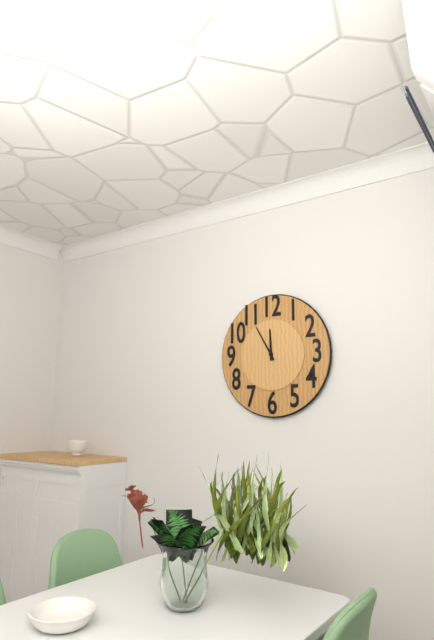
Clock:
h=11 m=55
